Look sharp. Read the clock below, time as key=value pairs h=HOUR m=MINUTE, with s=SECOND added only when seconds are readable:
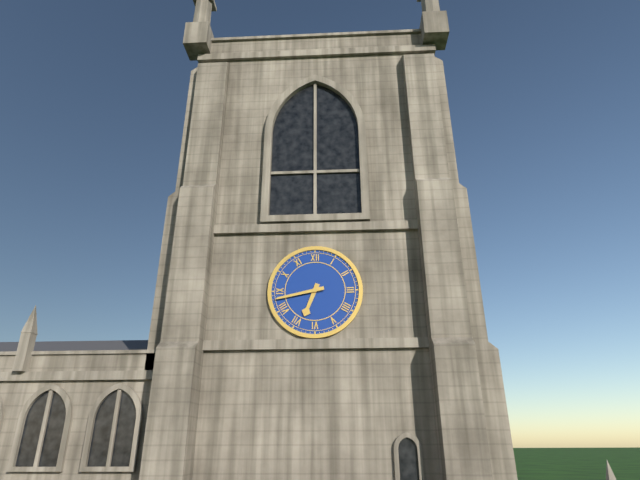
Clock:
h=6 m=43
